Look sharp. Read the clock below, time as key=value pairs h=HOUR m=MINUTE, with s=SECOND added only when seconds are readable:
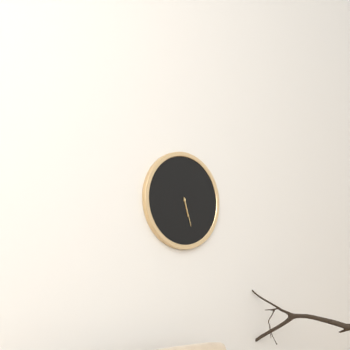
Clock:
h=5 m=27
